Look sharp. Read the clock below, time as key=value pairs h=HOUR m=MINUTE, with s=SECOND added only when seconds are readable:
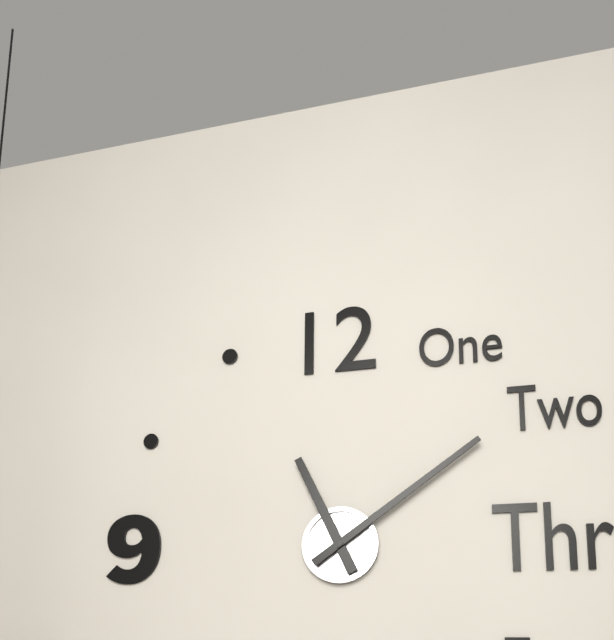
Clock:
h=11 m=9
